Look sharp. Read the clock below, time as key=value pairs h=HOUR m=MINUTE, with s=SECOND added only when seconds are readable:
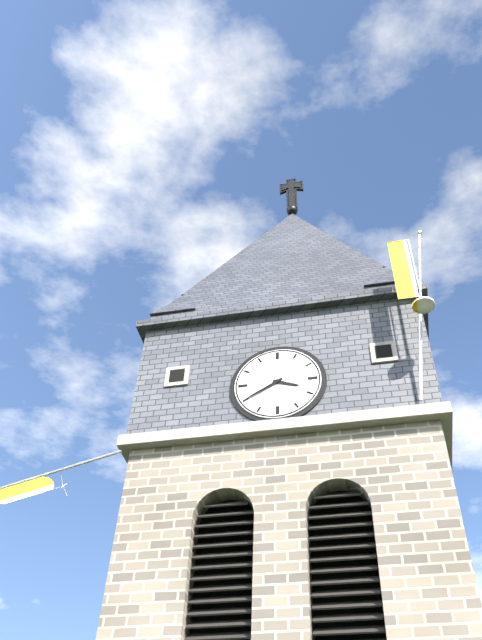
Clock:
h=3 m=40
